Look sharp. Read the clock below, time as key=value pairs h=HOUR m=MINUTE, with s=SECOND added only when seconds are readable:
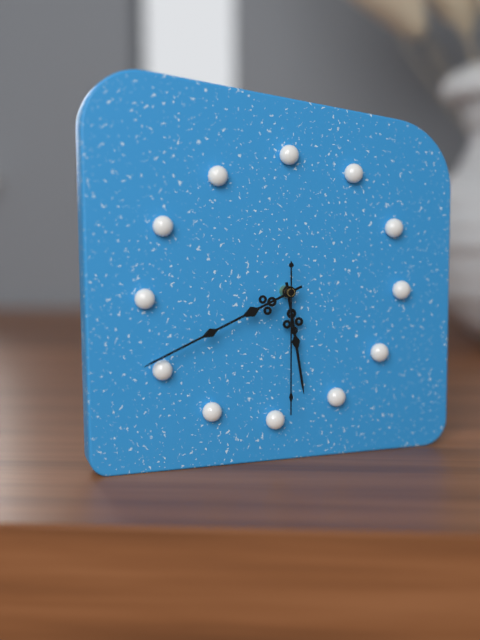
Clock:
h=5 m=41 s=30
